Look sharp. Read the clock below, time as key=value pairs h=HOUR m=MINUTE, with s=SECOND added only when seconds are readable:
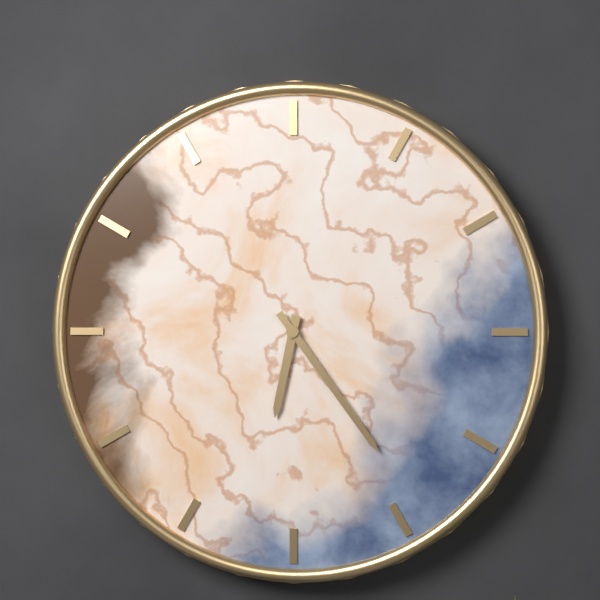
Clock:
h=6 m=24
